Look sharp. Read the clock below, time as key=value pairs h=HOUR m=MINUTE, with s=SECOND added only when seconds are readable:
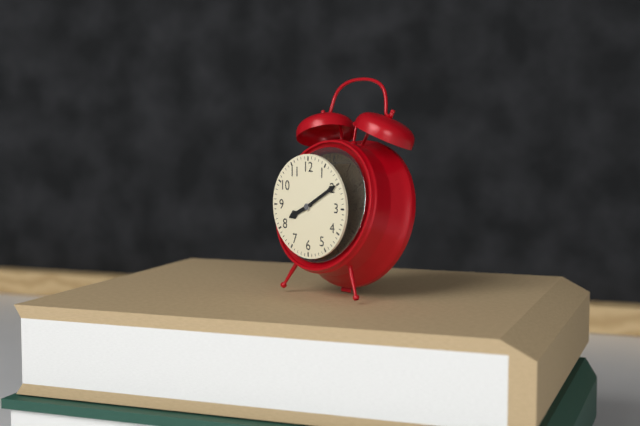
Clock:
h=8 m=10
